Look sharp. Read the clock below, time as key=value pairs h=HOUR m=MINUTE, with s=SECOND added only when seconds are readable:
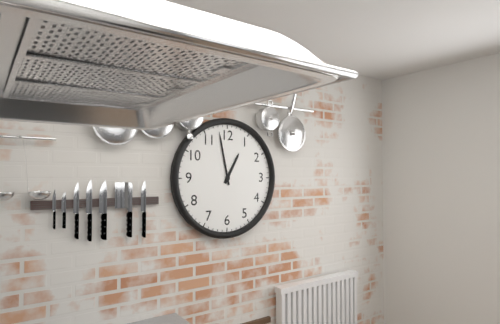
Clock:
h=12 m=58
